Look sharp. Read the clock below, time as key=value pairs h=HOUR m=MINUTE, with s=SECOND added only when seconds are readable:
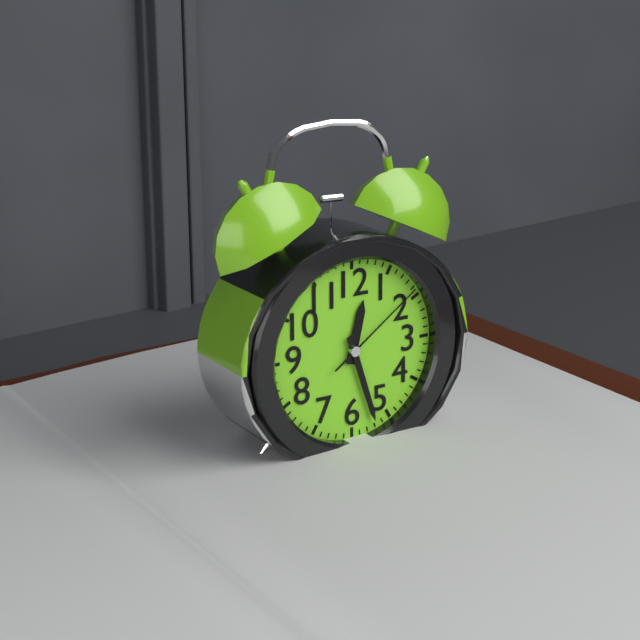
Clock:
h=12 m=27 s=9
